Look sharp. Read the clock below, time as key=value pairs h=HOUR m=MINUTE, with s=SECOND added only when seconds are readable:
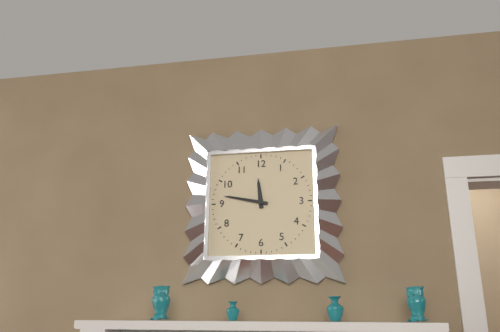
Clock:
h=11 m=47
